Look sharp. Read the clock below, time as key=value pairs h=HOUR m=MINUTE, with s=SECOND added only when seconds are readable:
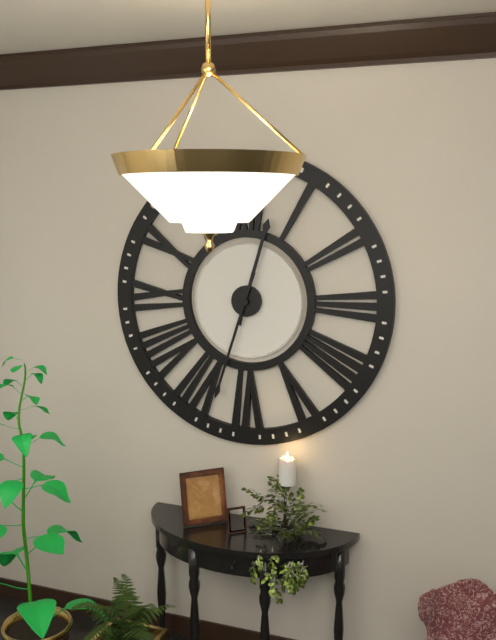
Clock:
h=12 m=33
